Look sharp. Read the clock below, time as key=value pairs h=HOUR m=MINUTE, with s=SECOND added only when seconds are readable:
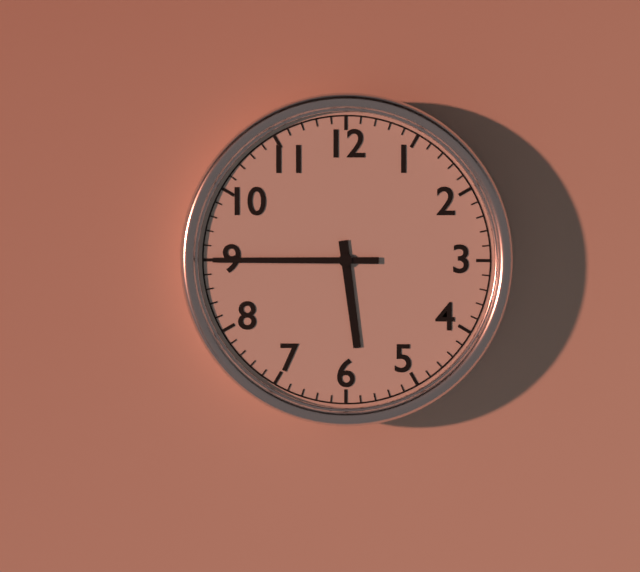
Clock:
h=5 m=45
